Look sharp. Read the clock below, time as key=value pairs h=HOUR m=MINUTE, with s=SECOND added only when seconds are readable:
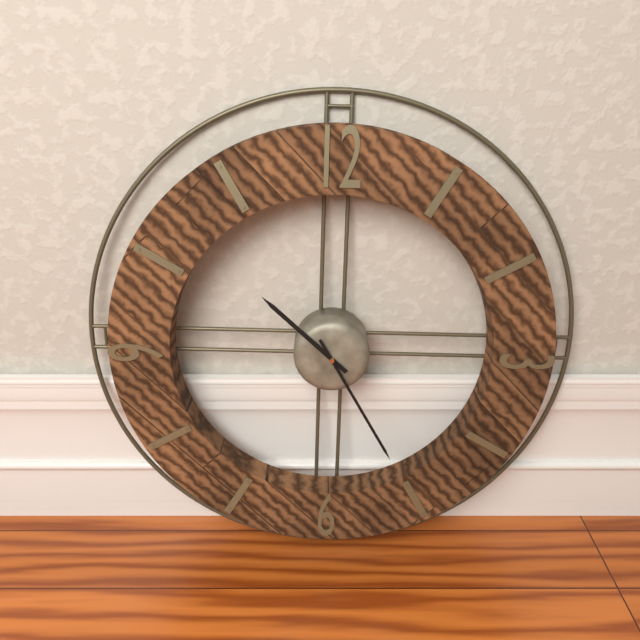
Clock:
h=10 m=25
